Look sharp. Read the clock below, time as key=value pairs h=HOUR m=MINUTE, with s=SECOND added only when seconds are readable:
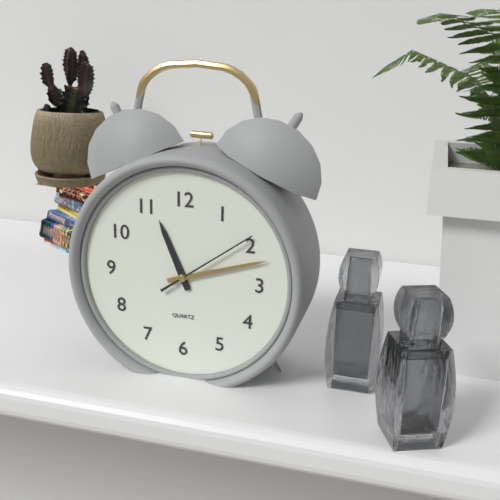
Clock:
h=11 m=12 s=9
